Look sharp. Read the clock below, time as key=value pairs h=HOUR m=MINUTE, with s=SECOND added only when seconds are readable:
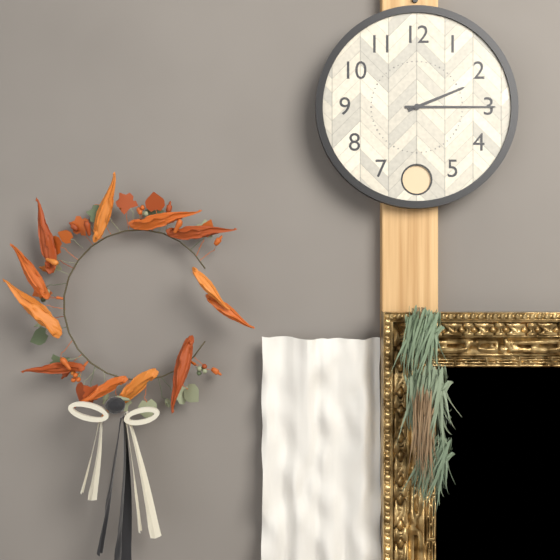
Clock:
h=2 m=15
